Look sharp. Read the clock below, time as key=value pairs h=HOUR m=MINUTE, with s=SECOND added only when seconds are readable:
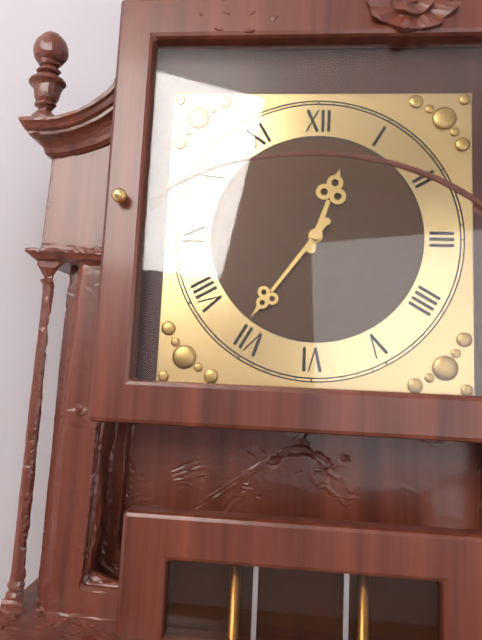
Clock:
h=12 m=36
